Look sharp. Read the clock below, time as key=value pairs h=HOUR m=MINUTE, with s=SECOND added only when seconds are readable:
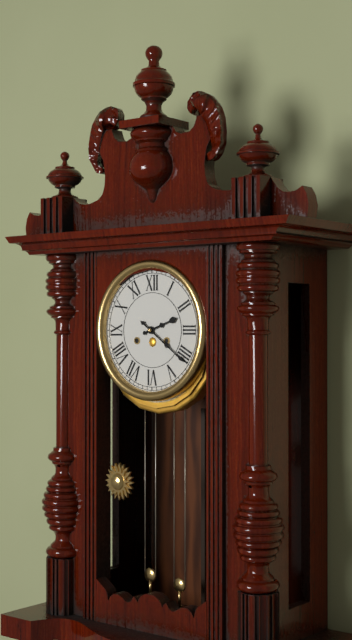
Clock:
h=2 m=21
